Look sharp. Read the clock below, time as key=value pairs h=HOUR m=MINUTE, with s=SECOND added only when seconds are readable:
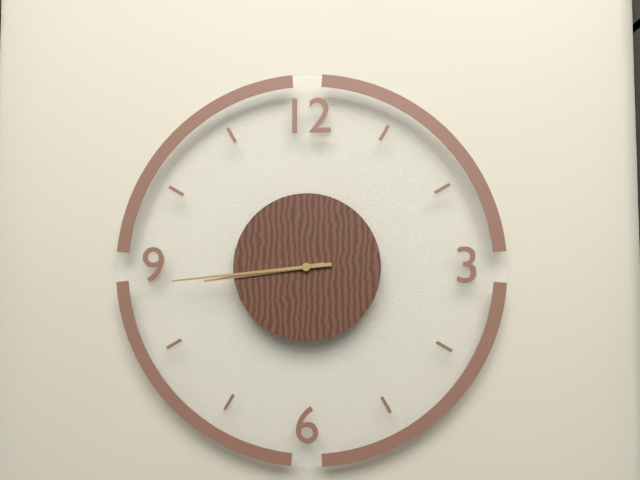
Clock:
h=8 m=44
